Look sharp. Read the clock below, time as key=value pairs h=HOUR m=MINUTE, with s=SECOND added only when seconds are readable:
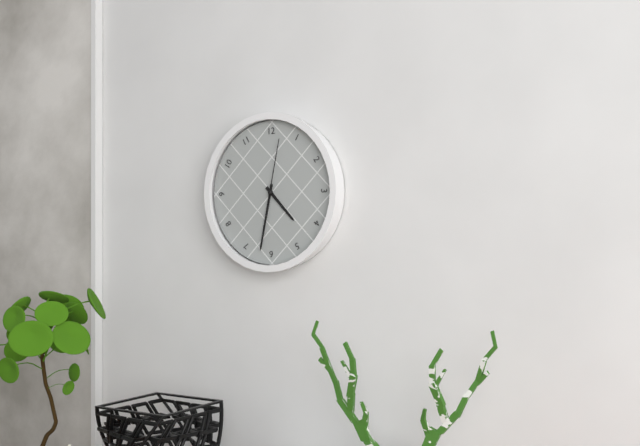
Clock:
h=4 m=32 s=2
